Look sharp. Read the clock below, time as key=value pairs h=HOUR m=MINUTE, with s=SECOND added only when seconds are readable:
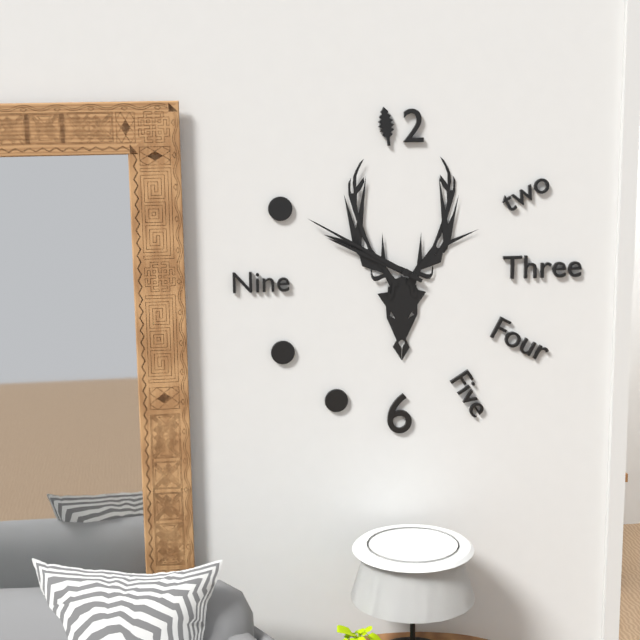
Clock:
h=9 m=50
